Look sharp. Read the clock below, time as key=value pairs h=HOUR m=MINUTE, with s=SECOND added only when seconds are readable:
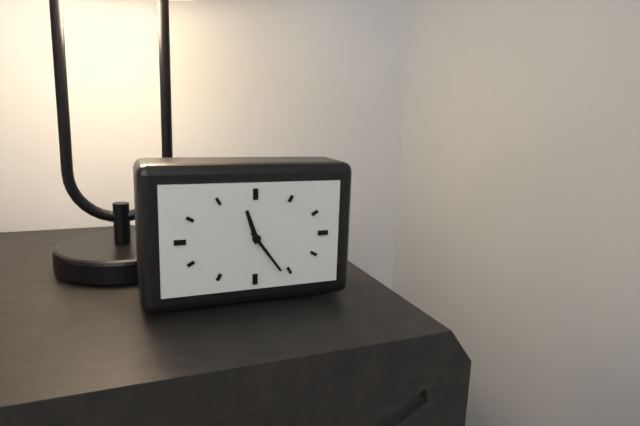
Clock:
h=11 m=24
